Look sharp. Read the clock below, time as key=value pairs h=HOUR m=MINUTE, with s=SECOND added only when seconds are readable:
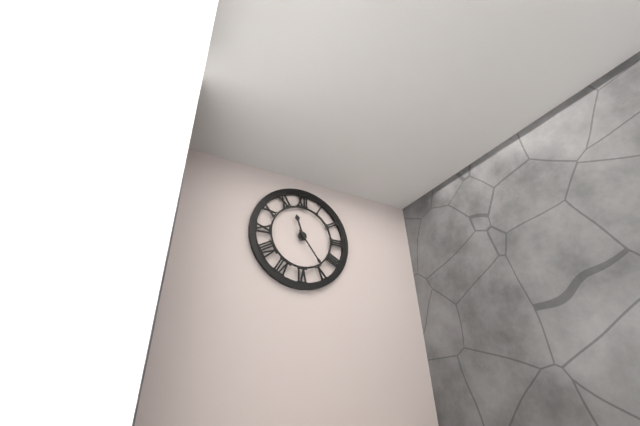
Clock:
h=11 m=24
